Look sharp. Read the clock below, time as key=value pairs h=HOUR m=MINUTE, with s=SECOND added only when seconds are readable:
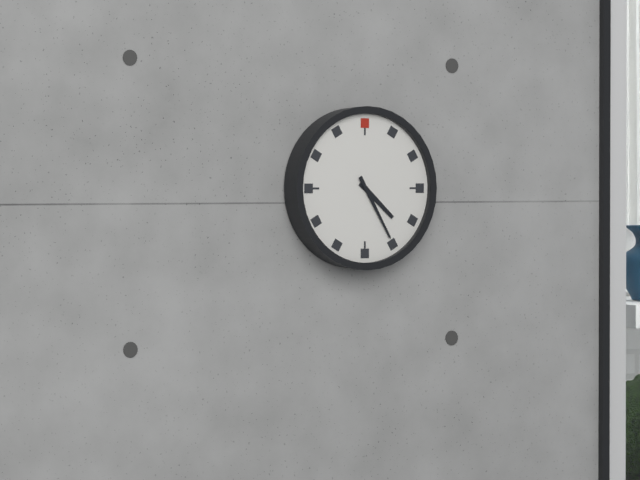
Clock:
h=4 m=25
